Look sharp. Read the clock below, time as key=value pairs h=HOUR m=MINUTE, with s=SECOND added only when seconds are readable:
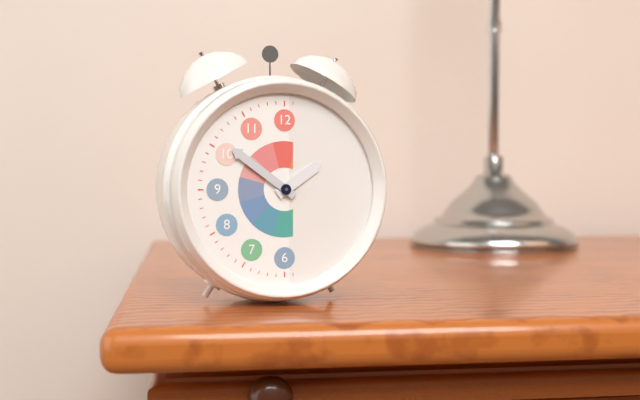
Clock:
h=1 m=51
